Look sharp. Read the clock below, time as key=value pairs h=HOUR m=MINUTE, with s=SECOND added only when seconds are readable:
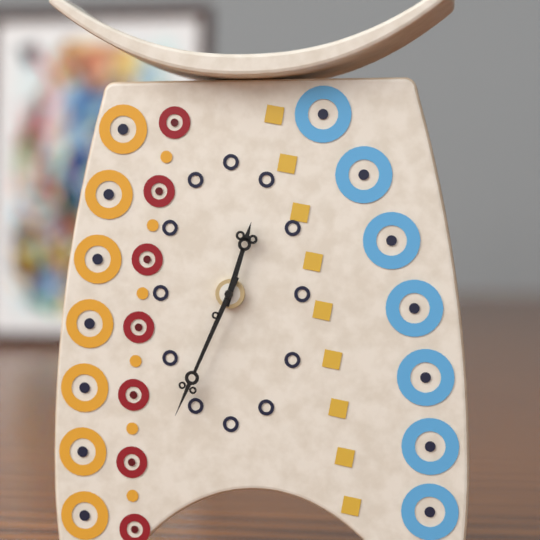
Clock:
h=12 m=34
